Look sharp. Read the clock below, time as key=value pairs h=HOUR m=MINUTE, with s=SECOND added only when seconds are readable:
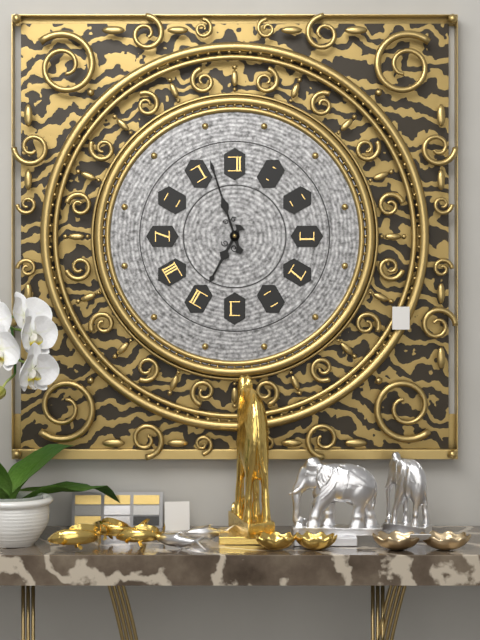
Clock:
h=6 m=57
